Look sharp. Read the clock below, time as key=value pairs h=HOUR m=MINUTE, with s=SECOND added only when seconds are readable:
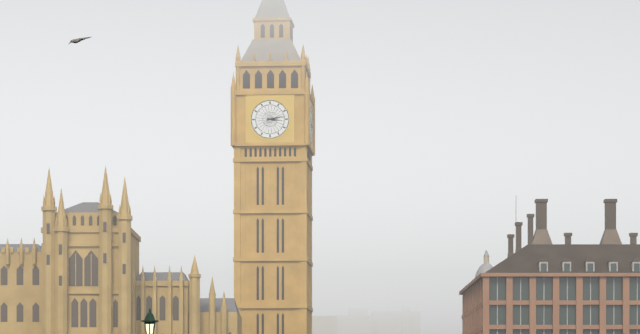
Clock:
h=3 m=13
